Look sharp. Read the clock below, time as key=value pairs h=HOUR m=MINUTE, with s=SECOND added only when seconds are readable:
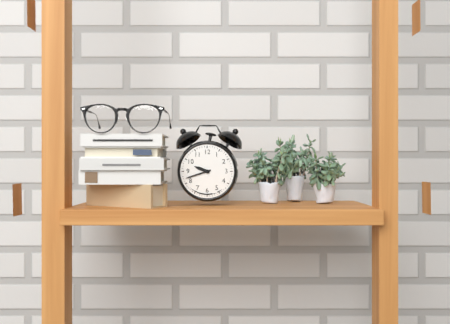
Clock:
h=9 m=42
